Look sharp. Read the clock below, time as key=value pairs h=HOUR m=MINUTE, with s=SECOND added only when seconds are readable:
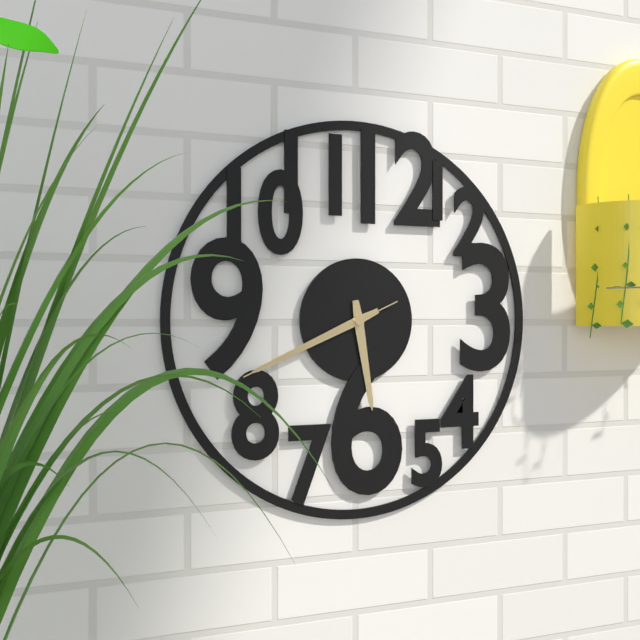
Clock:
h=5 m=41 s=41
